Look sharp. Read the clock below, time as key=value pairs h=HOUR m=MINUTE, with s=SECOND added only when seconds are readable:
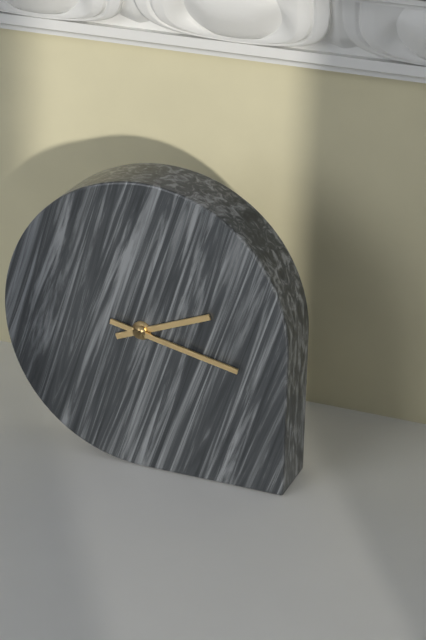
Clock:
h=2 m=17
